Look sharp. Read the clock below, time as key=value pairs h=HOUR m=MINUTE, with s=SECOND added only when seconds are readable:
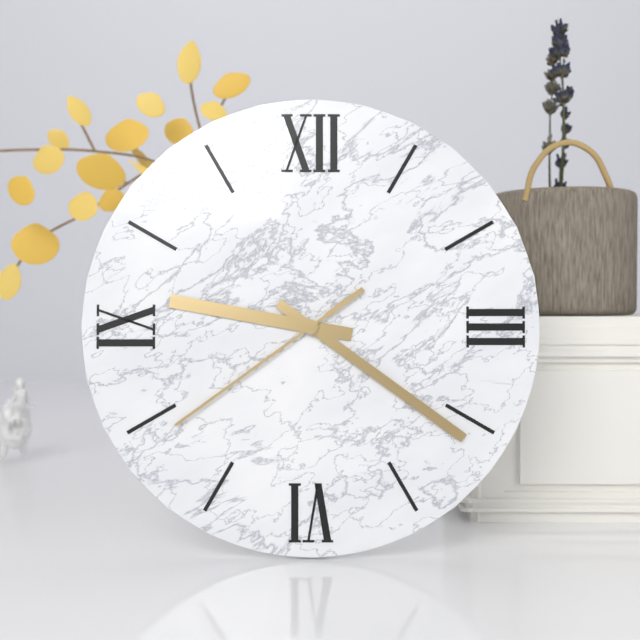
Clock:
h=9 m=21 s=39
